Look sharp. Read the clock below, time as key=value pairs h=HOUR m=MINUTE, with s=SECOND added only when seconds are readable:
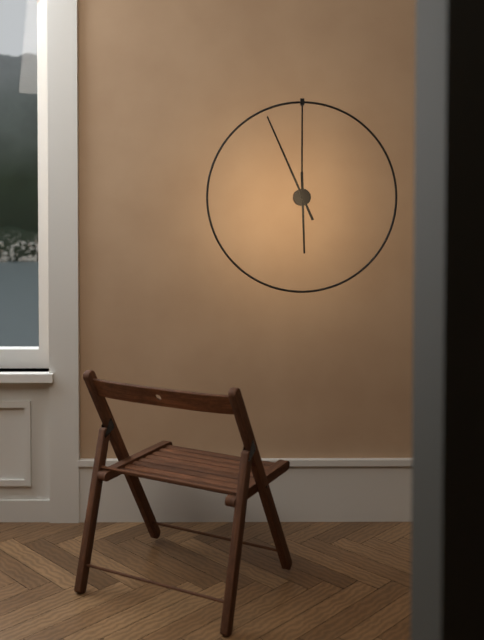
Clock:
h=5 m=56
